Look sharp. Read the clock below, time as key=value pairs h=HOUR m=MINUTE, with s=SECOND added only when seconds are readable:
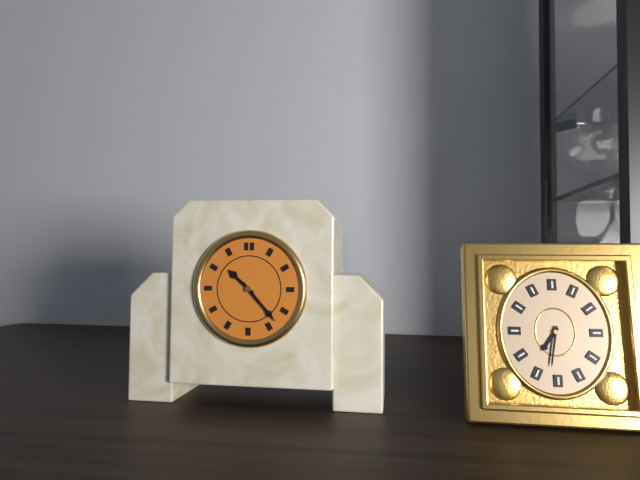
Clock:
h=10 m=23
